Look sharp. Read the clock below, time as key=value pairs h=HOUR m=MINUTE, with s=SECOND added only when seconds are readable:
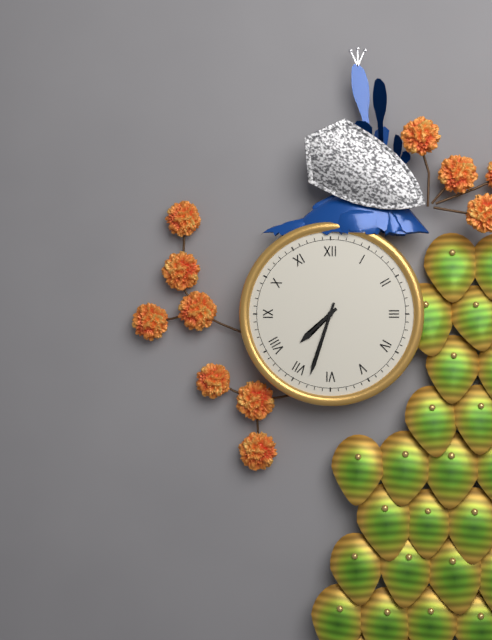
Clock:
h=7 m=33
